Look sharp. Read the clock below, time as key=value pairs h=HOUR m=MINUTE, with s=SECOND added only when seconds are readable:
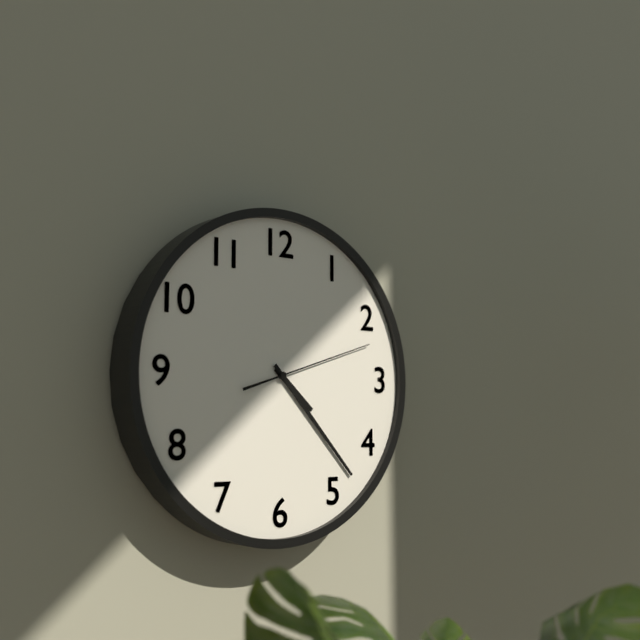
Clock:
h=4 m=23 s=12
